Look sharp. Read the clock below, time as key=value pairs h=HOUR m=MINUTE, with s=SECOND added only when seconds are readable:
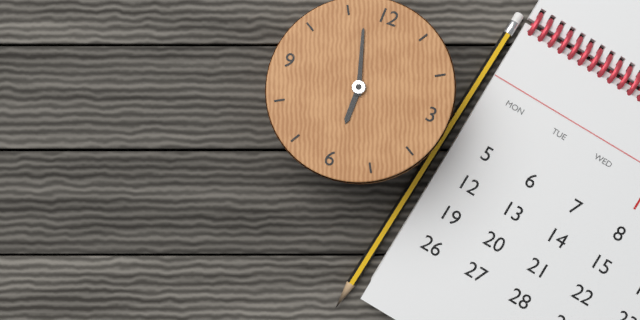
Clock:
h=5 m=57
